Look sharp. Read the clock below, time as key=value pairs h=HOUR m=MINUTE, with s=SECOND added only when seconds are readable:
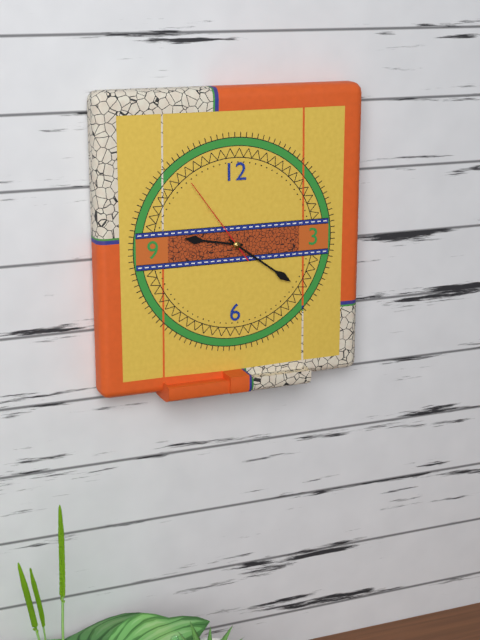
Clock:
h=9 m=21 s=54
